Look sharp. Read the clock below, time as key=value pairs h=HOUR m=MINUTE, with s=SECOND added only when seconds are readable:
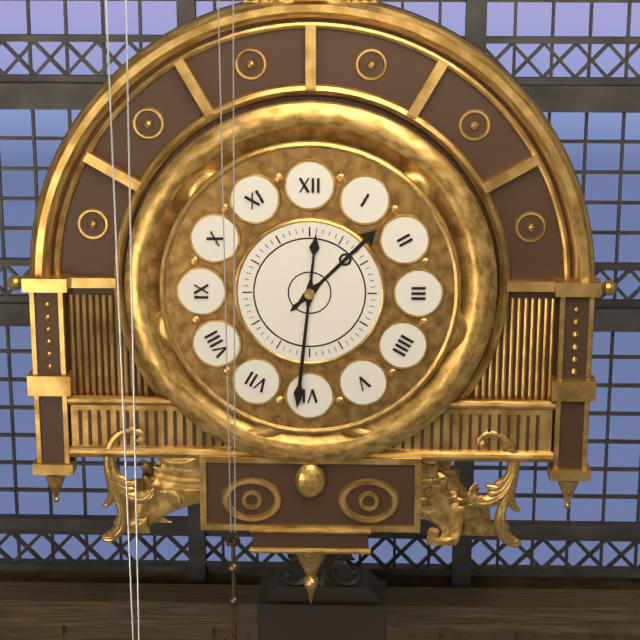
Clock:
h=1 m=31
